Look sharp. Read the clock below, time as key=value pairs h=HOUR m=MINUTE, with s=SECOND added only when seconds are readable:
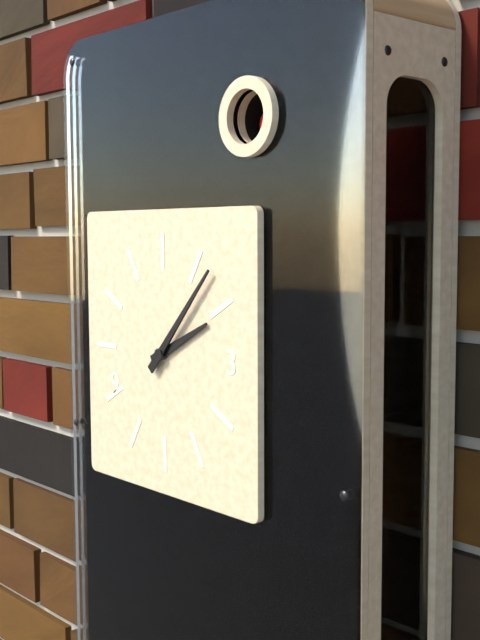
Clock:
h=2 m=7
